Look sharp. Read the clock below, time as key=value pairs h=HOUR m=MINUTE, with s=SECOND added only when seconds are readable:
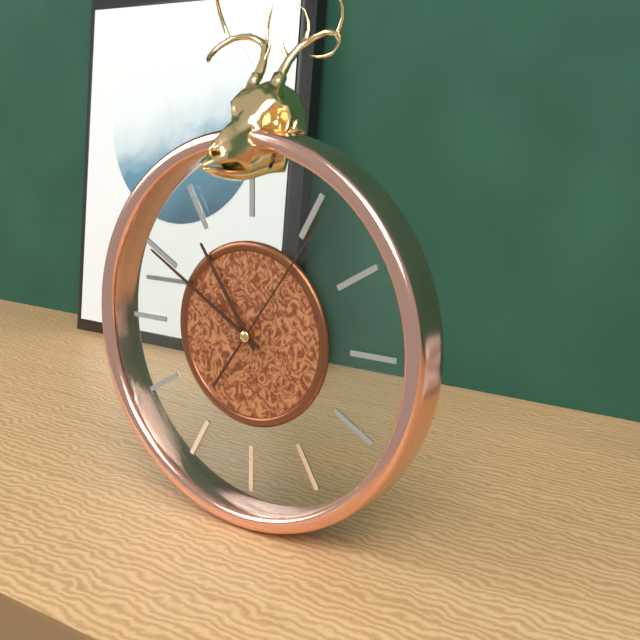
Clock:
h=10 m=50 s=6
